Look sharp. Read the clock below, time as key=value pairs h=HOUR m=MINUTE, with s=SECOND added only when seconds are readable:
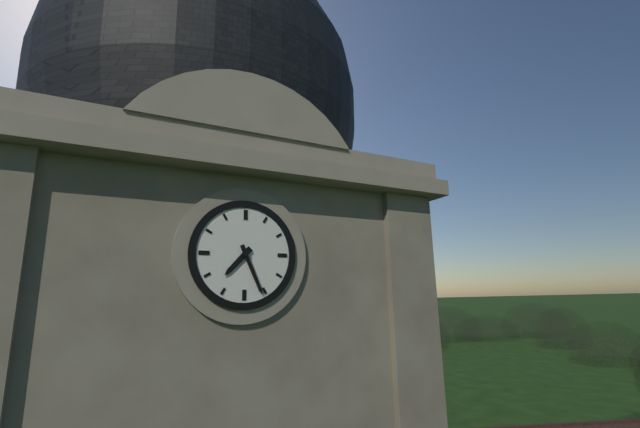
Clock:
h=7 m=26
